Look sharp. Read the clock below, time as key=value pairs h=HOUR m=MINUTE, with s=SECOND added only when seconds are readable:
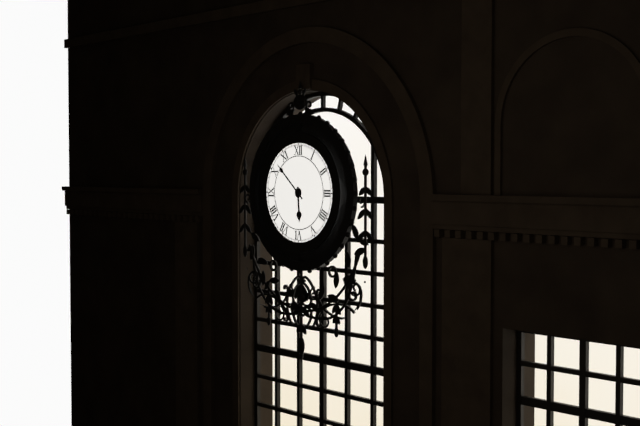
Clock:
h=5 m=52
